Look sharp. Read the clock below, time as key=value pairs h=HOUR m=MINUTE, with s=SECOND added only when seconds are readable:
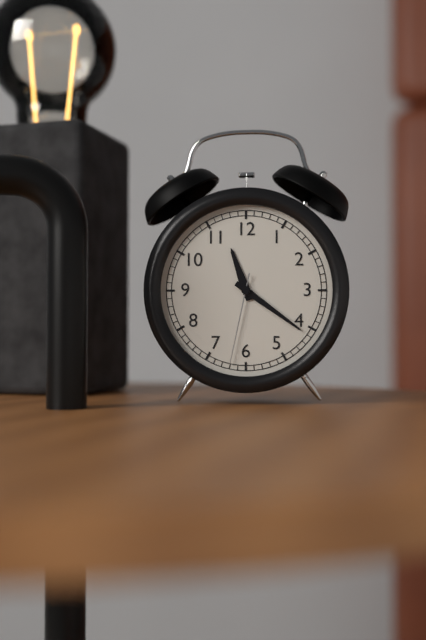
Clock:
h=11 m=21 s=32
